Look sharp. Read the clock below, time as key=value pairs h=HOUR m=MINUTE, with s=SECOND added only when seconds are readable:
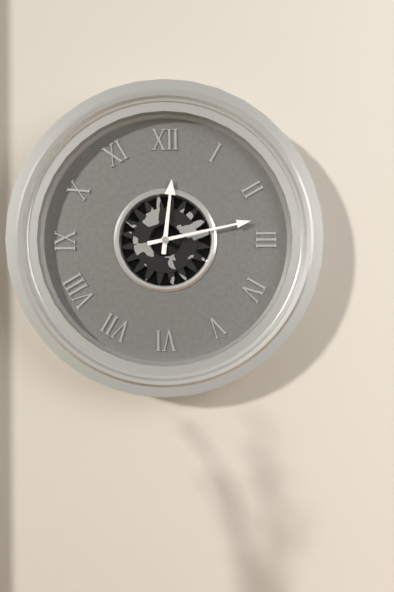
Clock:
h=12 m=13
